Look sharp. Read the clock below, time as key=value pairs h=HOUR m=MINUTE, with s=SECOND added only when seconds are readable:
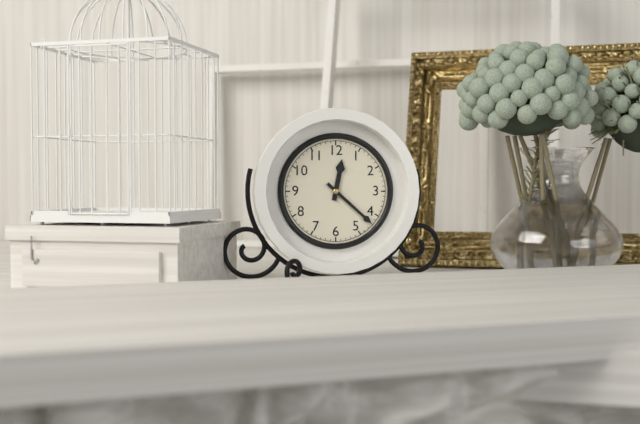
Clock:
h=12 m=22
